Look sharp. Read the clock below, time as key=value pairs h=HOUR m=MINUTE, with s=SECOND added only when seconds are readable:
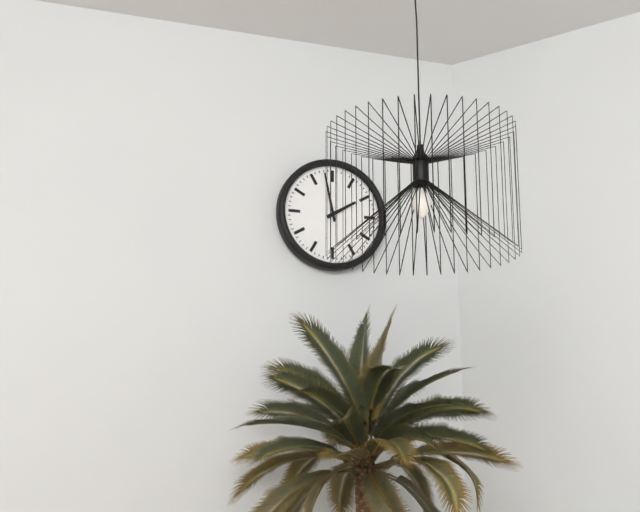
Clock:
h=1 m=58
